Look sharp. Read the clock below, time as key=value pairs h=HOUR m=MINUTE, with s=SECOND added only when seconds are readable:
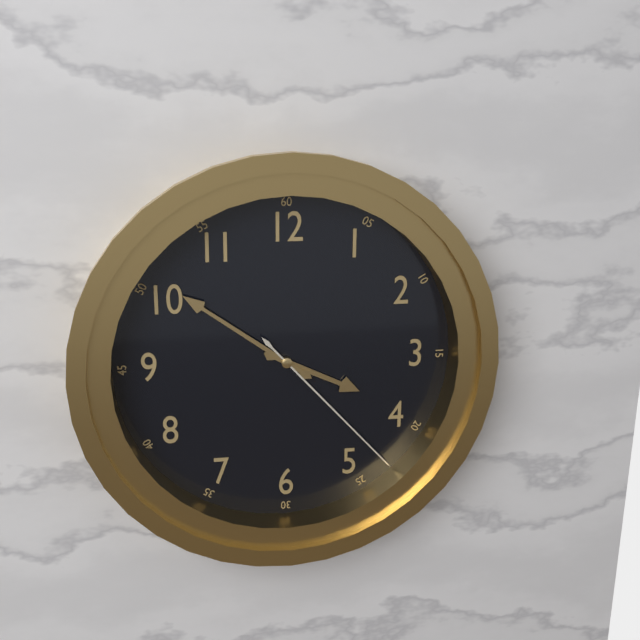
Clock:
h=3 m=51 s=23
